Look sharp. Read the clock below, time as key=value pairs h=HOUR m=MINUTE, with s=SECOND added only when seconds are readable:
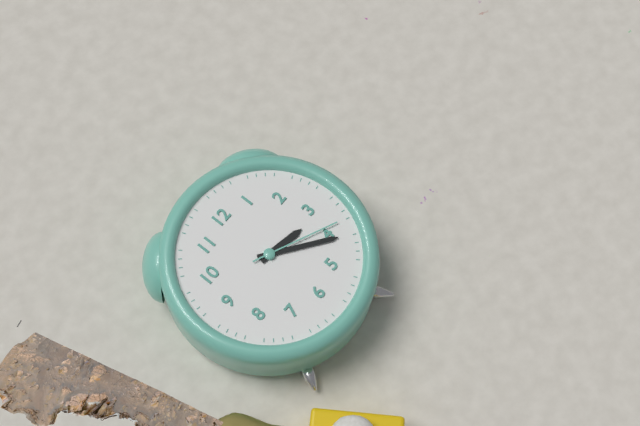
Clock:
h=3 m=21 s=19
